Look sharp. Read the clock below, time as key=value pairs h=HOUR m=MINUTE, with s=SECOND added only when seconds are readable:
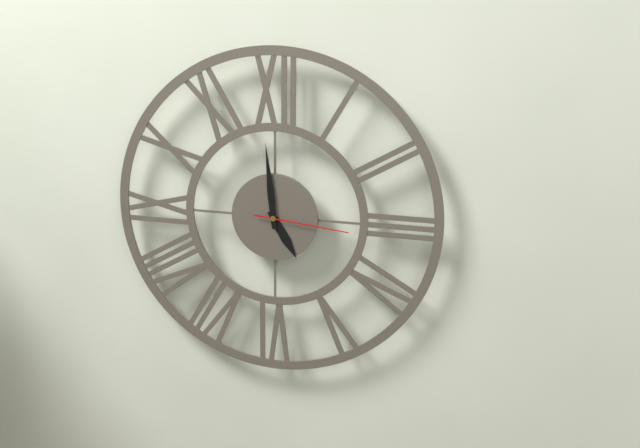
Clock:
h=4 m=59 s=16
